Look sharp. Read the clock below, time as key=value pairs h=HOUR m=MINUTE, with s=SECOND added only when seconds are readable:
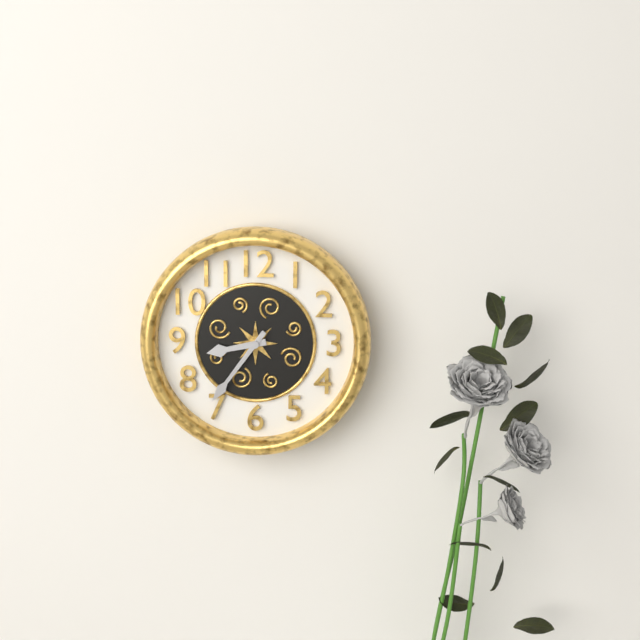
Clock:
h=8 m=36
